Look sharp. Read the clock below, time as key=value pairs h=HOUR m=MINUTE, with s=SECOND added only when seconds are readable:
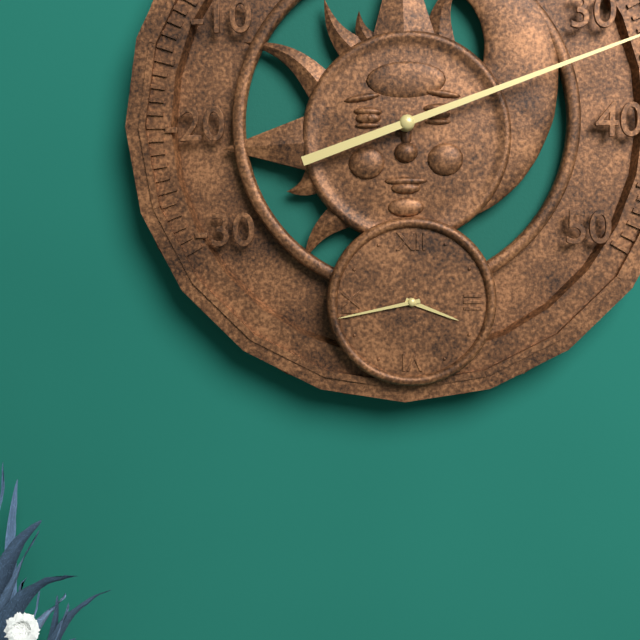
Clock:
h=3 m=43
